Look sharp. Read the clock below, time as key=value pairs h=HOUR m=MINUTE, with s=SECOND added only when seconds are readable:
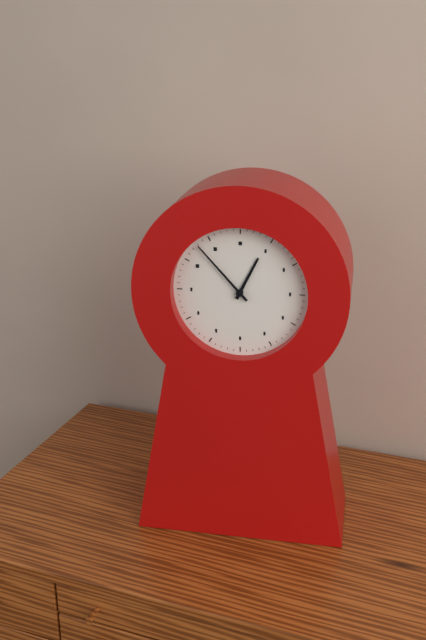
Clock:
h=12 m=53
